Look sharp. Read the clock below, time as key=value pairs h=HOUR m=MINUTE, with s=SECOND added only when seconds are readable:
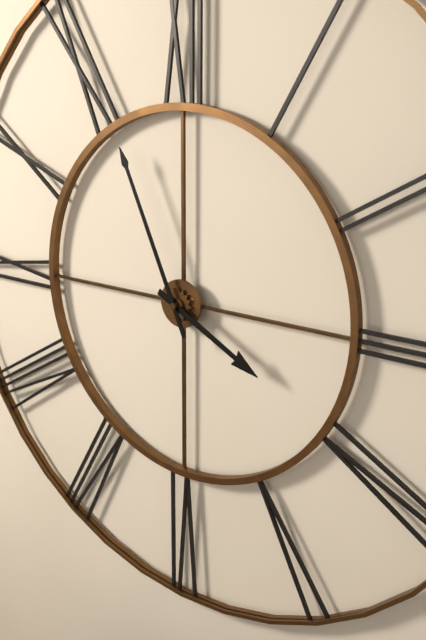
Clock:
h=3 m=56
